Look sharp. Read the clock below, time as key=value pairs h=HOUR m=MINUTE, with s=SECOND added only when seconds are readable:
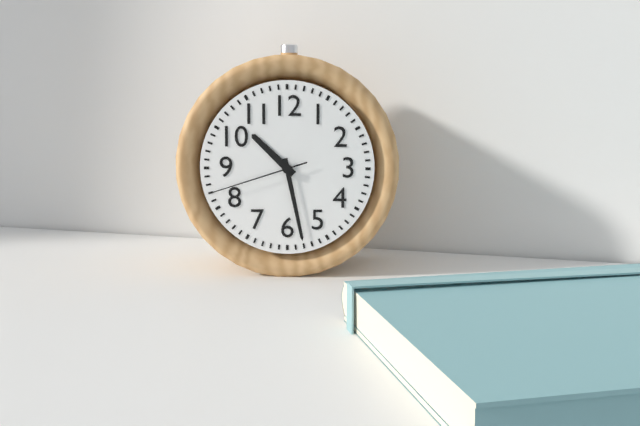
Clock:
h=10 m=28 s=42
